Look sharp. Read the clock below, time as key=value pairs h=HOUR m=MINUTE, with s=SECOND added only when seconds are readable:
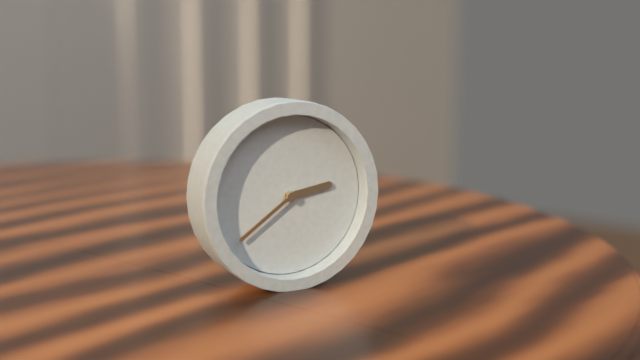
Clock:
h=2 m=39
